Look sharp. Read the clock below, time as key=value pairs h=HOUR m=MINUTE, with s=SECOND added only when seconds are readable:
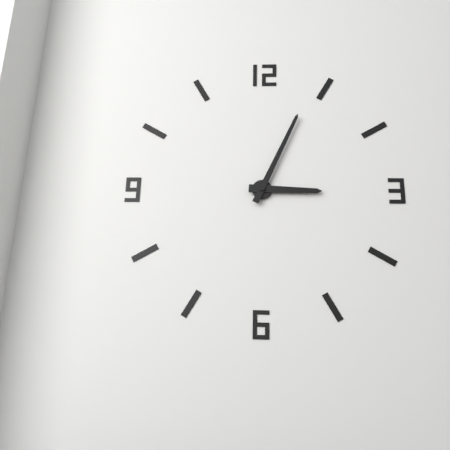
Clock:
h=3 m=4
